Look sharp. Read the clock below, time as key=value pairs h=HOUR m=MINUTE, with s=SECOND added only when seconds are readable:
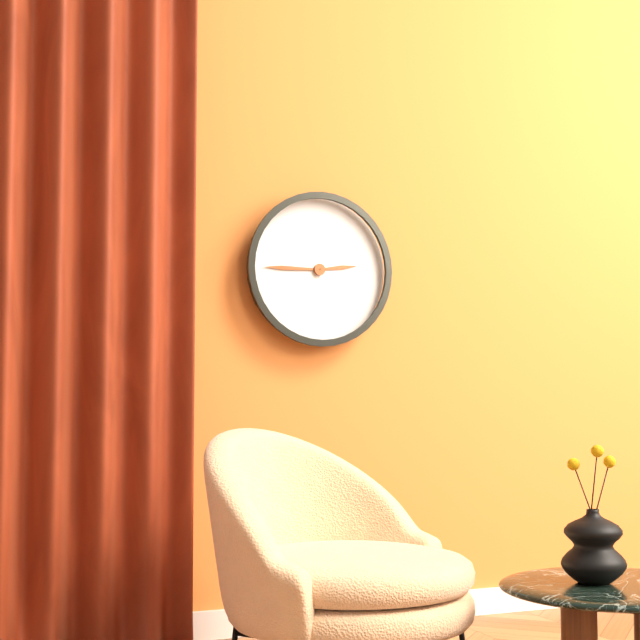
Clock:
h=2 m=45
